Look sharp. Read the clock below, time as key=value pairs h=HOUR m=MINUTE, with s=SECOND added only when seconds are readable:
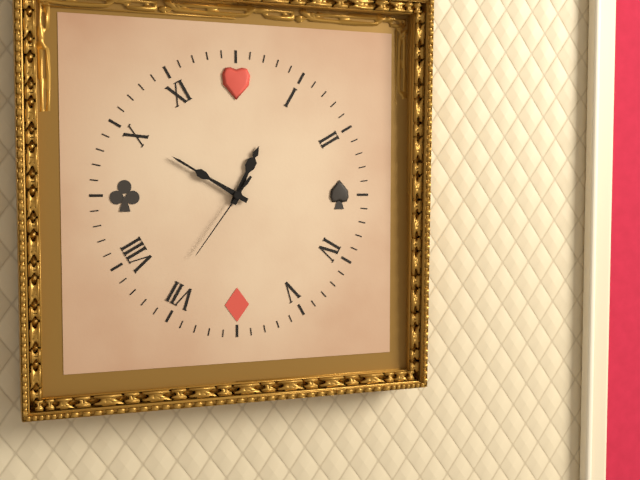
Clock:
h=12 m=50 s=36
